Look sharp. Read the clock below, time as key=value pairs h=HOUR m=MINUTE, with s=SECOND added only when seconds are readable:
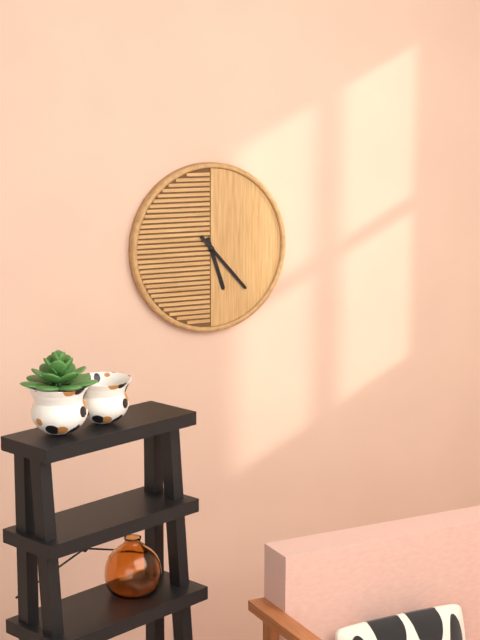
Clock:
h=5 m=23
